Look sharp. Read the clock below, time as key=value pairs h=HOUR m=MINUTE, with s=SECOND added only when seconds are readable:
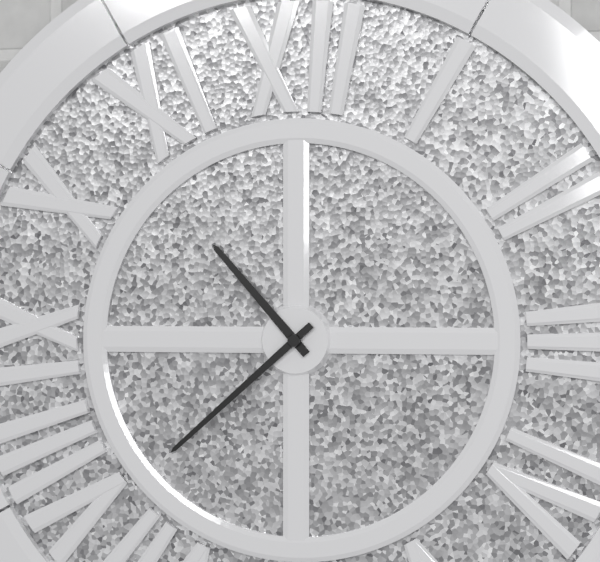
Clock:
h=10 m=38
